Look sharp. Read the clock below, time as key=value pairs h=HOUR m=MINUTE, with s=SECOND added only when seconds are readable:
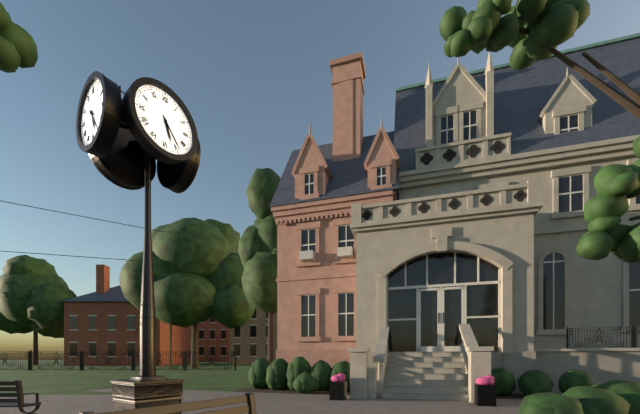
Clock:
h=5 m=24
